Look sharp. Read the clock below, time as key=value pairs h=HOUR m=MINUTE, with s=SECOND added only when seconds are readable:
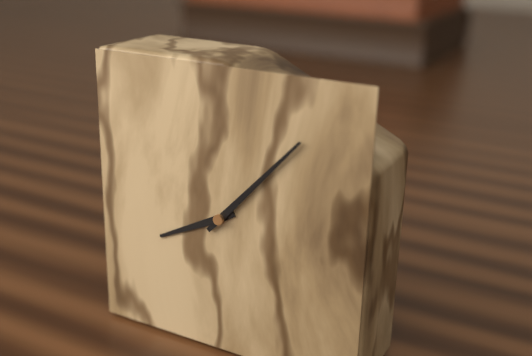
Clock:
h=8 m=7
